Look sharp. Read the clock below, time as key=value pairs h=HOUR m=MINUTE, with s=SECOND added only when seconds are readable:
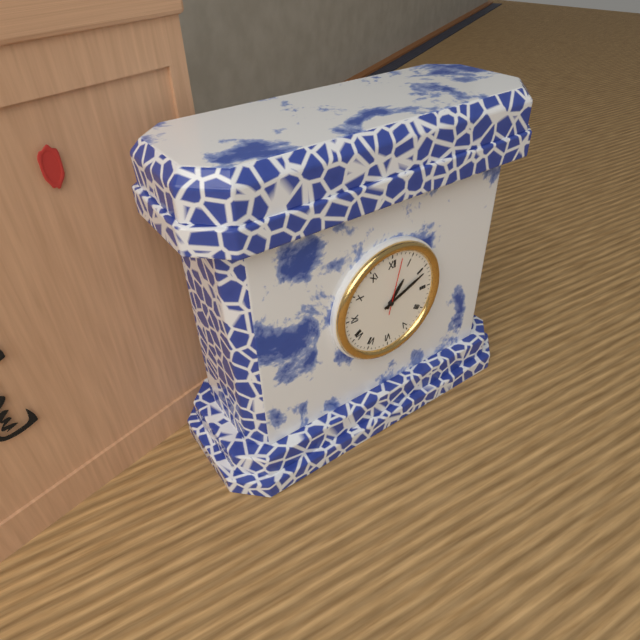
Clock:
h=1 m=11 s=2
